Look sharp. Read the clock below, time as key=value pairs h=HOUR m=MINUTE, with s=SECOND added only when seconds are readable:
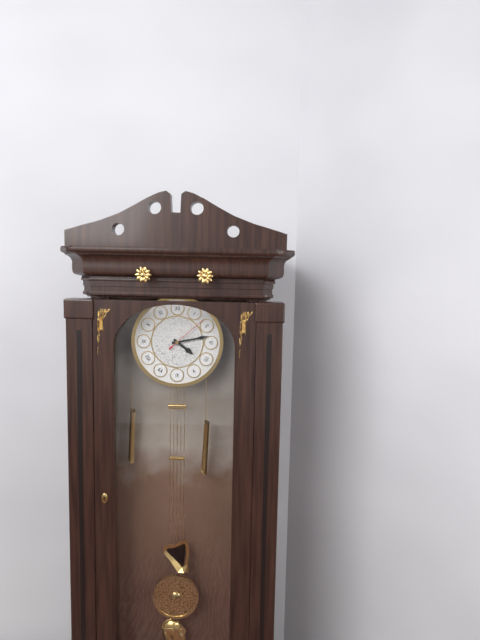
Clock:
h=4 m=13
